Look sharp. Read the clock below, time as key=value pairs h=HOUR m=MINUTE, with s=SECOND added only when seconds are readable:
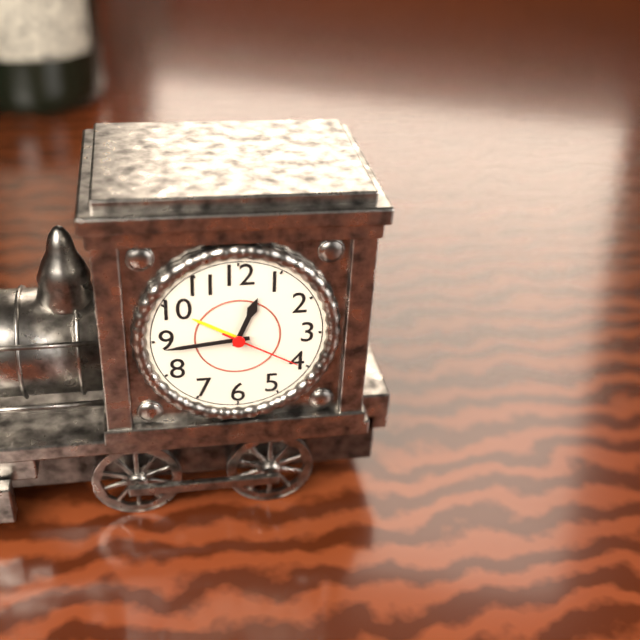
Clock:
h=12 m=44 s=20
